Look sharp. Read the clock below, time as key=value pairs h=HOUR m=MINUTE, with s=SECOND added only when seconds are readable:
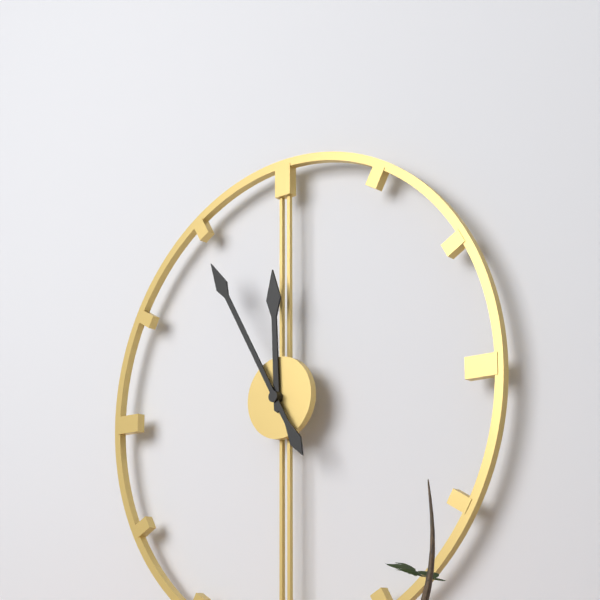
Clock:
h=11 m=55
